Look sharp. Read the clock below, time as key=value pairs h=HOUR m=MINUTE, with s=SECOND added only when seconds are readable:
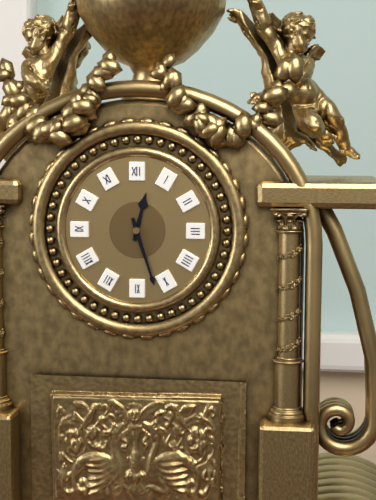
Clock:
h=12 m=27
